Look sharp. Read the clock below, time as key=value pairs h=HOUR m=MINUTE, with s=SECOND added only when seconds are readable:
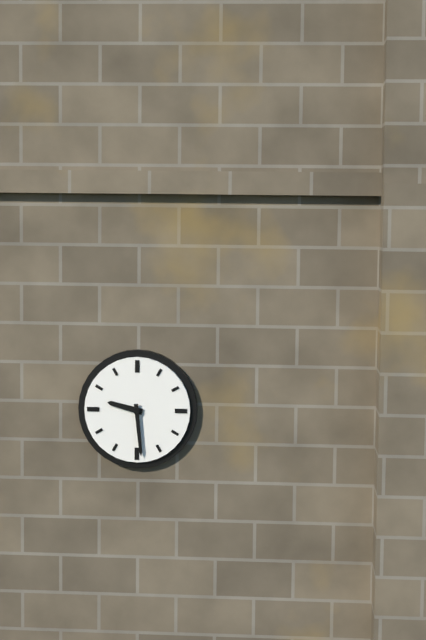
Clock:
h=9 m=29
